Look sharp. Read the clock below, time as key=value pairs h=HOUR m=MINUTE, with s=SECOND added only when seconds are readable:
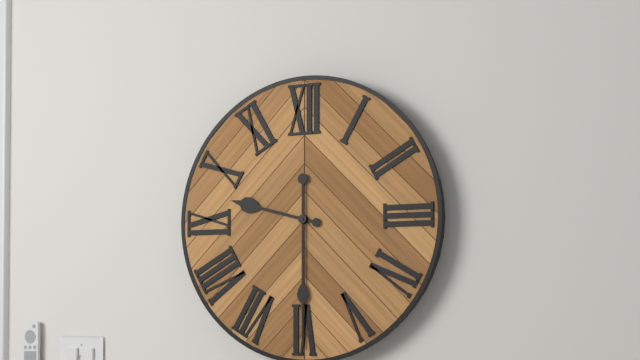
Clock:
h=9 m=30
